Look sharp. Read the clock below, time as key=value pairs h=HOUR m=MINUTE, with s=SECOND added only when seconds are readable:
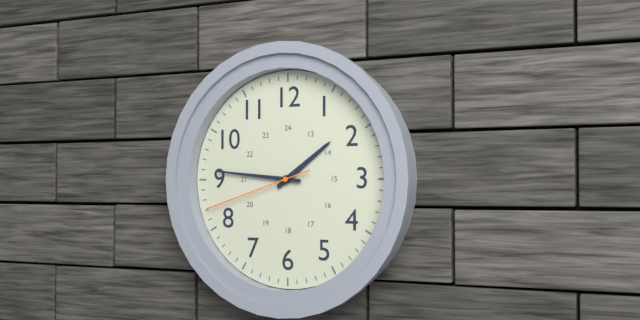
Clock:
h=1 m=46 s=42
